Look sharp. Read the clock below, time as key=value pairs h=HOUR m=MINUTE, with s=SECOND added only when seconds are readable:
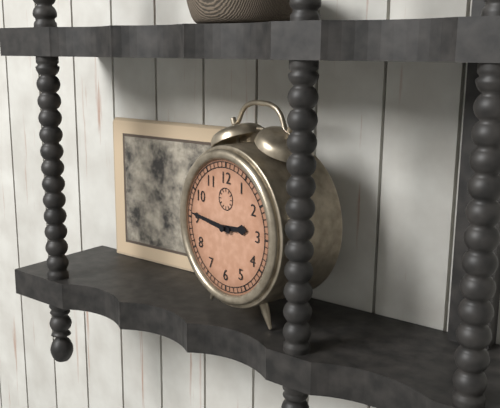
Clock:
h=2 m=46
